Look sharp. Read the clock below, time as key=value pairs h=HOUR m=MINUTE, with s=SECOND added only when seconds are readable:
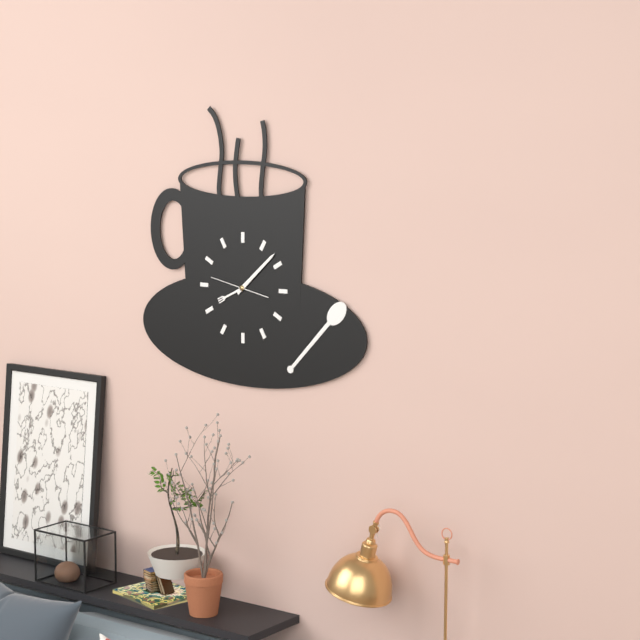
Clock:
h=8 m=8
